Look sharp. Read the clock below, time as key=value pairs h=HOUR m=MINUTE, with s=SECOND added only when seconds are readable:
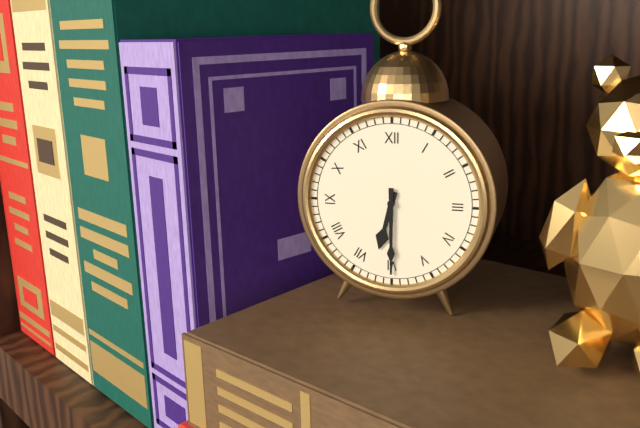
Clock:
h=6 m=30
